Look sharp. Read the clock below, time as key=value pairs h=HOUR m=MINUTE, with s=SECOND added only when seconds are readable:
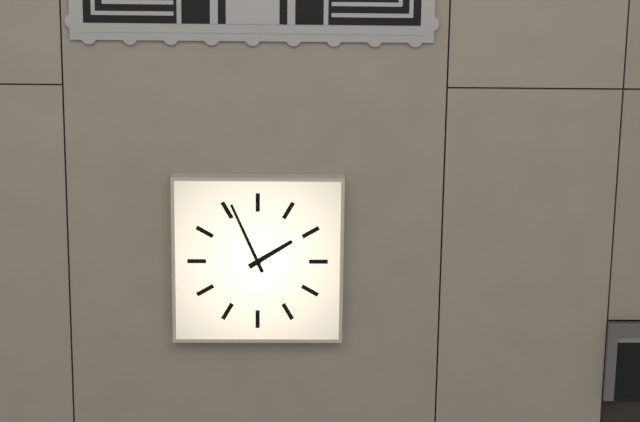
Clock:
h=1 m=56
